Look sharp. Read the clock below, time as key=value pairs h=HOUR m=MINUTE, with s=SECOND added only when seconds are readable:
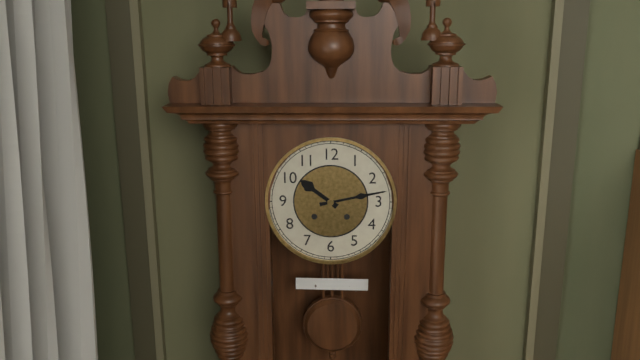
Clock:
h=10 m=13
